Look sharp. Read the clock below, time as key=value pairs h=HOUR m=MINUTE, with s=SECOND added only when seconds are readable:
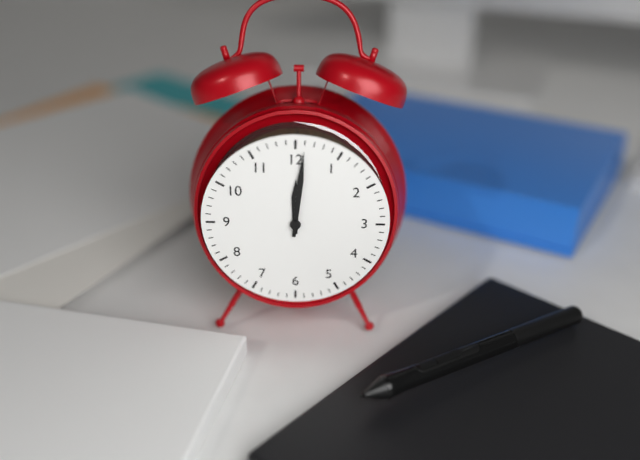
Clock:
h=12 m=1
